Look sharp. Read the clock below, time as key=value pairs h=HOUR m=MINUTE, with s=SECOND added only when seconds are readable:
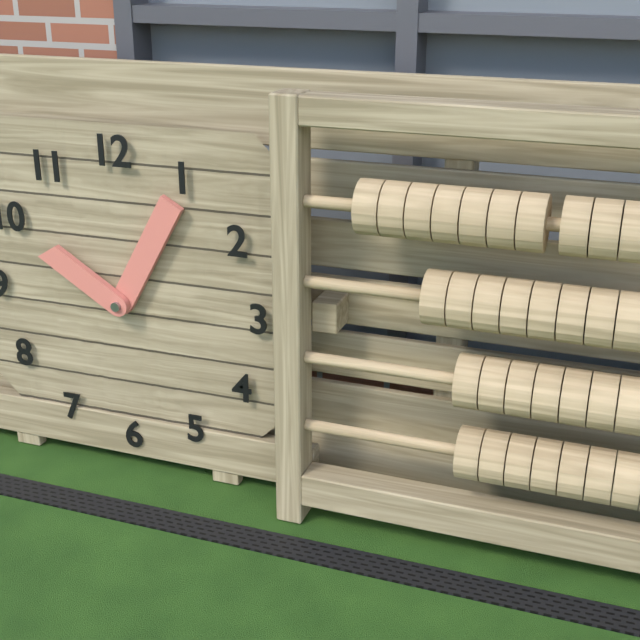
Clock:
h=10 m=5
